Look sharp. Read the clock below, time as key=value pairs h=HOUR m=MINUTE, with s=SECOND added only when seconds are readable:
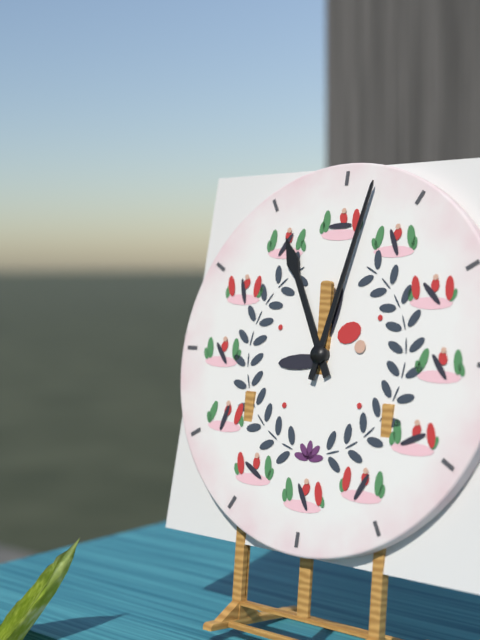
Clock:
h=11 m=2
